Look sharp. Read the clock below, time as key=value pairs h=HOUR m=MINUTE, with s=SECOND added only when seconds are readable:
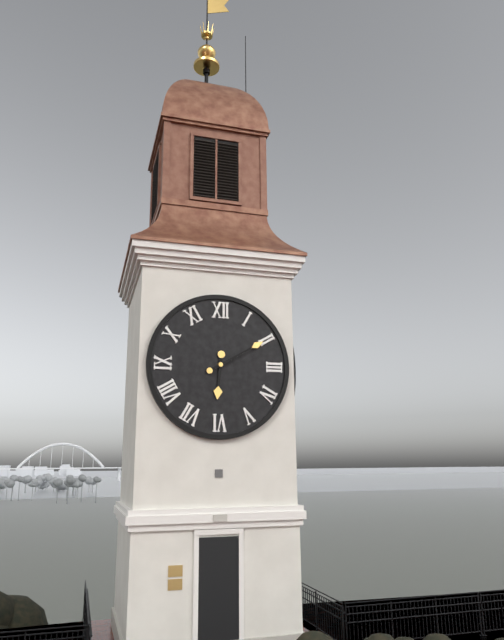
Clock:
h=6 m=10
